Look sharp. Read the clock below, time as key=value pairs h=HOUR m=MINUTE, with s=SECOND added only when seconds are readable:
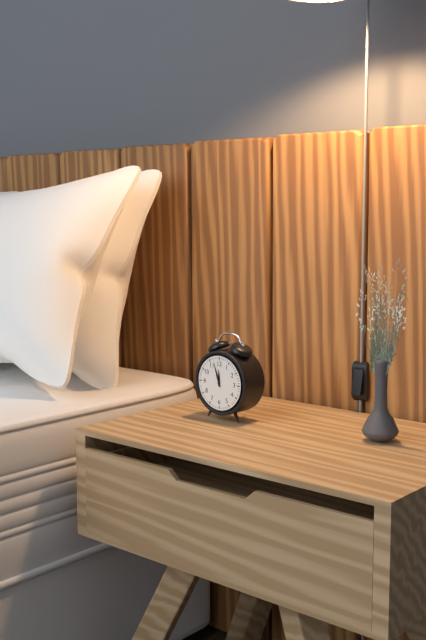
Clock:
h=11 m=57
